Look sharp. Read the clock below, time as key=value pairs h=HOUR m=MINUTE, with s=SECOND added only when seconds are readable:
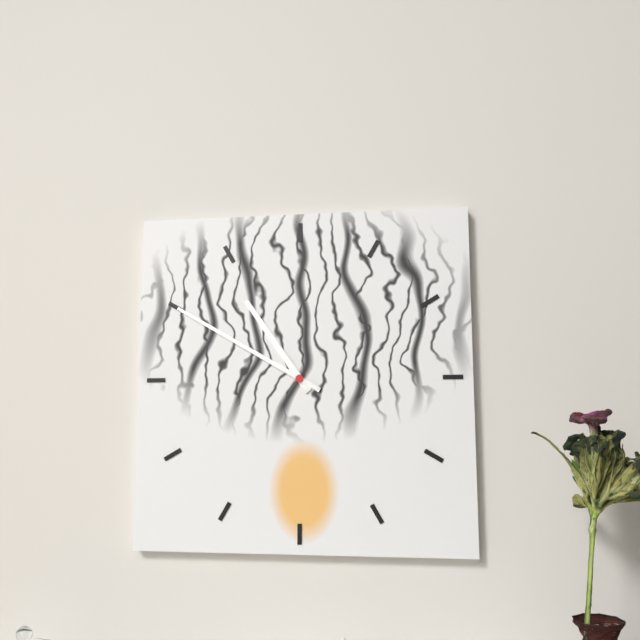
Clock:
h=10 m=50
